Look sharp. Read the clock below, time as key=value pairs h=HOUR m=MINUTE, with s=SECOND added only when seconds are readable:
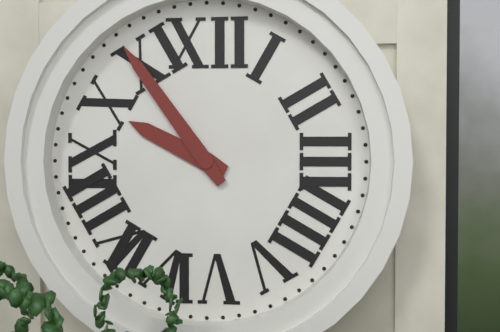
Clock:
h=9 m=54
